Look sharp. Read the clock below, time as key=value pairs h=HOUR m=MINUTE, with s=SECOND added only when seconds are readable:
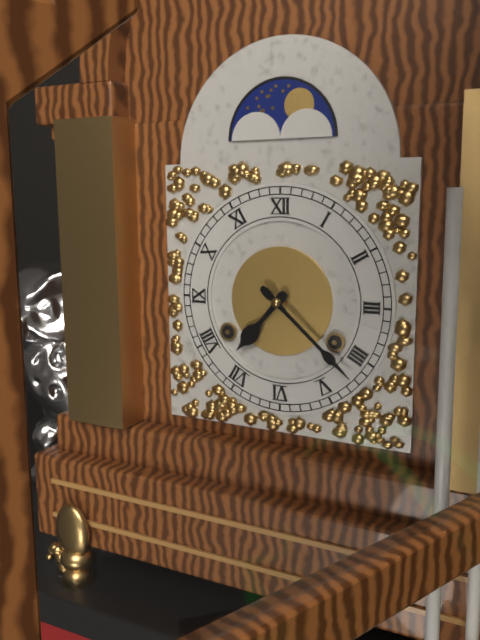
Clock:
h=7 m=22
